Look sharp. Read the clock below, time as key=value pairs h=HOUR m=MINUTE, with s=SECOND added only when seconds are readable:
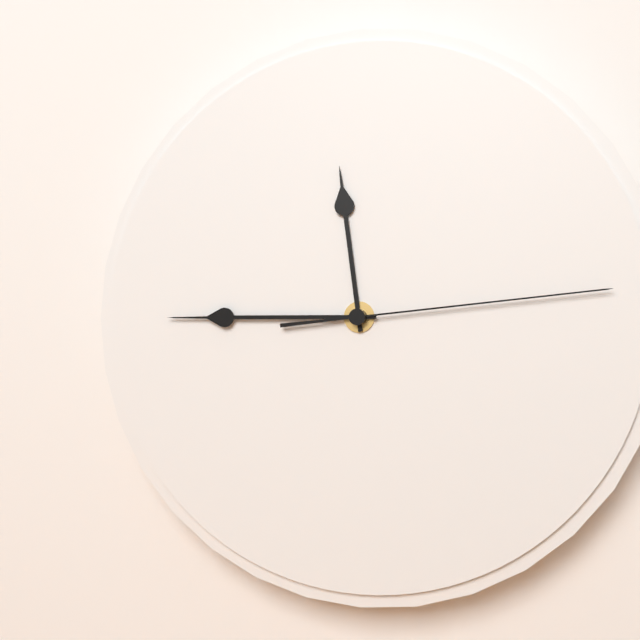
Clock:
h=11 m=45 s=14
